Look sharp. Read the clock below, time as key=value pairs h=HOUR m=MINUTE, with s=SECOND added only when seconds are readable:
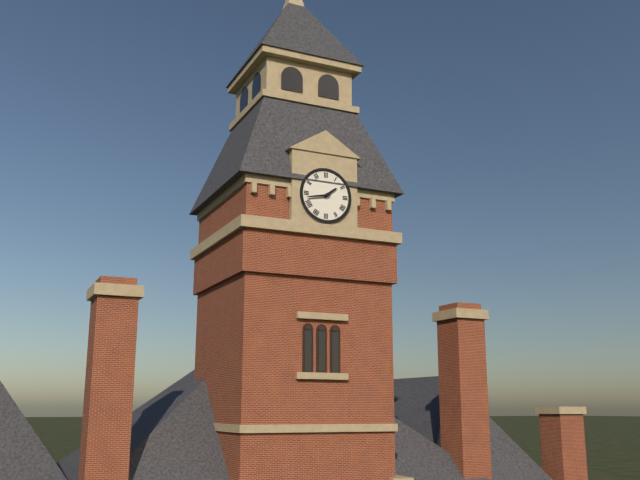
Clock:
h=1 m=43
